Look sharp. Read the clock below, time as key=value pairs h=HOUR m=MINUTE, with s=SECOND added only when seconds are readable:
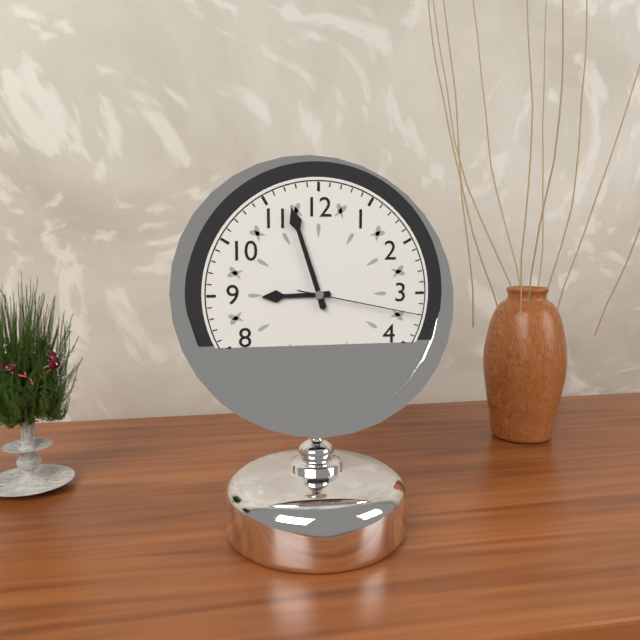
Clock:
h=8 m=57 s=17
